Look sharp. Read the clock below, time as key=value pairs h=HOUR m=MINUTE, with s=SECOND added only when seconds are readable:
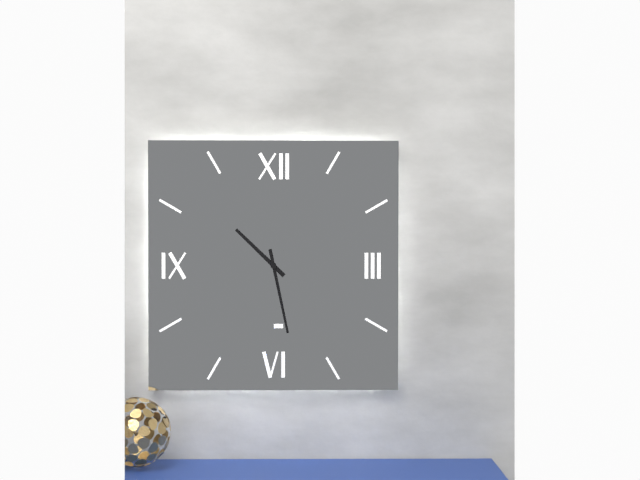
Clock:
h=10 m=28
